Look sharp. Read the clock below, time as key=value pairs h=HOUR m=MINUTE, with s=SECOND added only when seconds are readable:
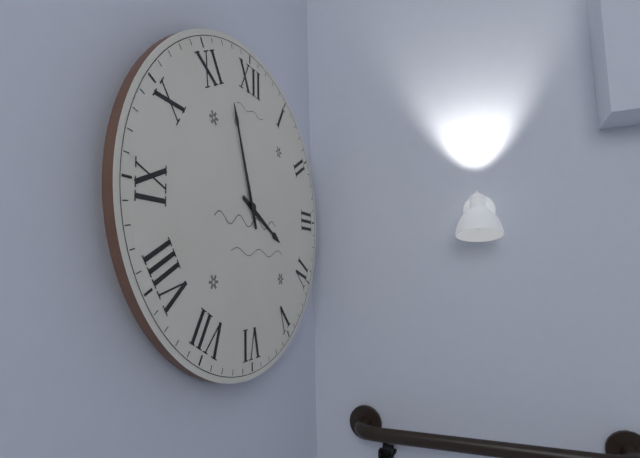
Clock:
h=3 m=57
